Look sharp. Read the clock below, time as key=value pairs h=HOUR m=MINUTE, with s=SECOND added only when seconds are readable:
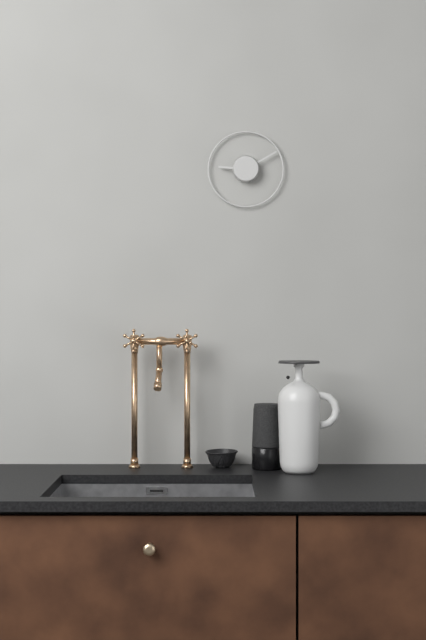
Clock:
h=9 m=10
